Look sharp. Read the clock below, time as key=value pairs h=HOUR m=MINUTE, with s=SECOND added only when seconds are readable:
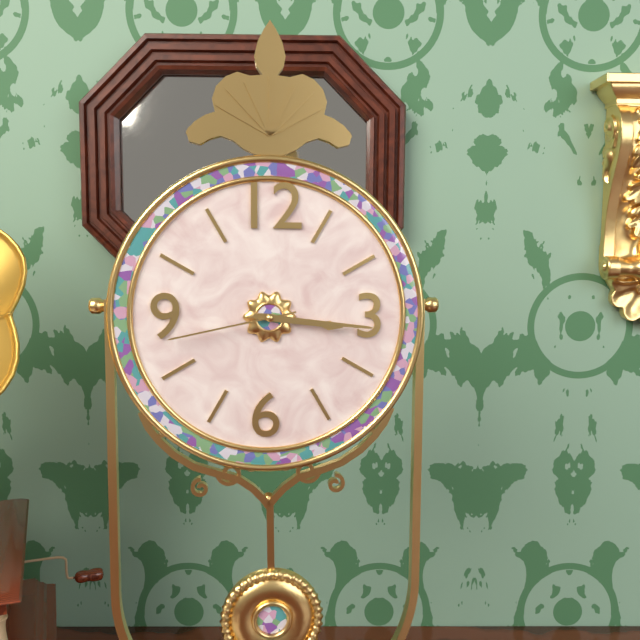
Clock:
h=3 m=16 s=43
